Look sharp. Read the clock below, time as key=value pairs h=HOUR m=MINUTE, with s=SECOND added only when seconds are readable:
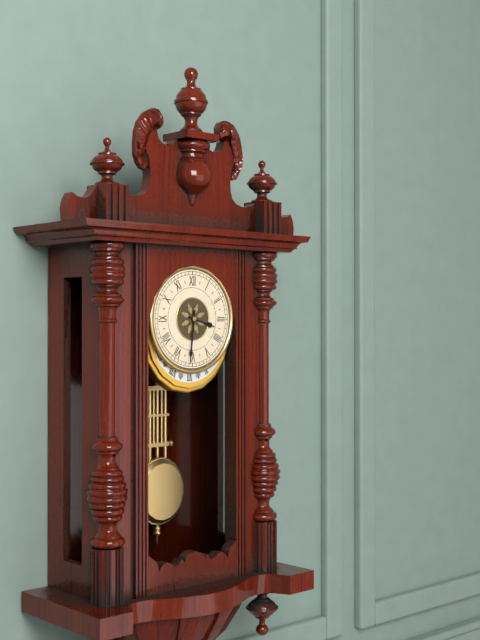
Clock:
h=3 m=31
